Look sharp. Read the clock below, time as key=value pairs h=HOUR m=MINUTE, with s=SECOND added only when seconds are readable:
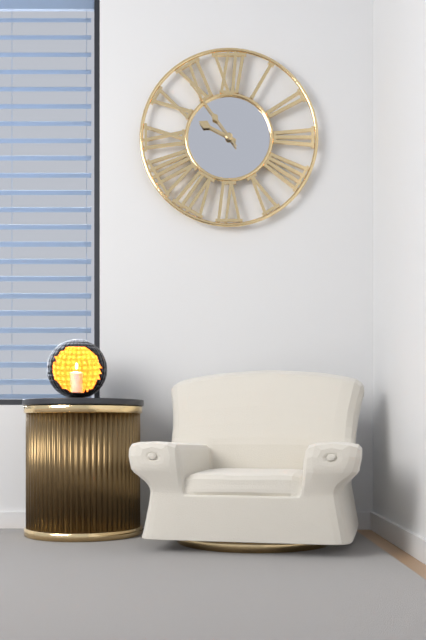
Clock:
h=9 m=54
